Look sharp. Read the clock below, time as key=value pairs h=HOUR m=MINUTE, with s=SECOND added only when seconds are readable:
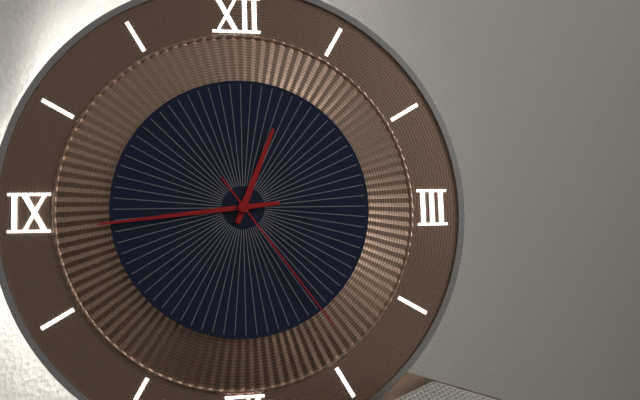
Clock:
h=12 m=44 s=24
